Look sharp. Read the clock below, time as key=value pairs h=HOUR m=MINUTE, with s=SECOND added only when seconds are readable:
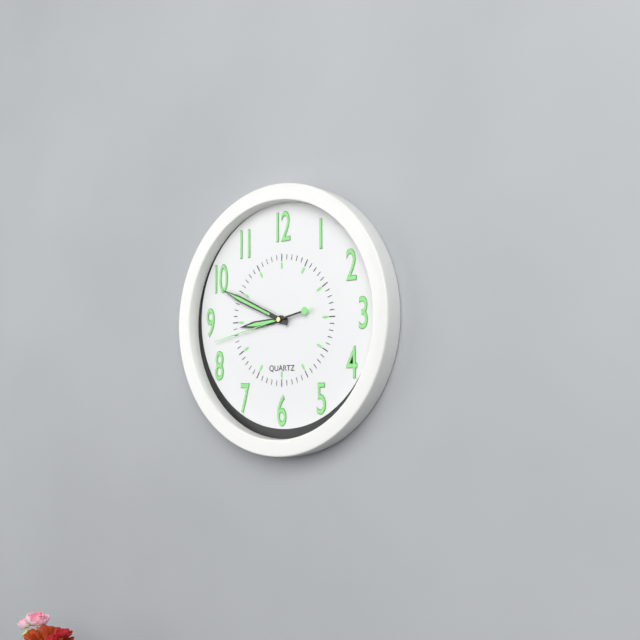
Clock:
h=8 m=49 s=43
